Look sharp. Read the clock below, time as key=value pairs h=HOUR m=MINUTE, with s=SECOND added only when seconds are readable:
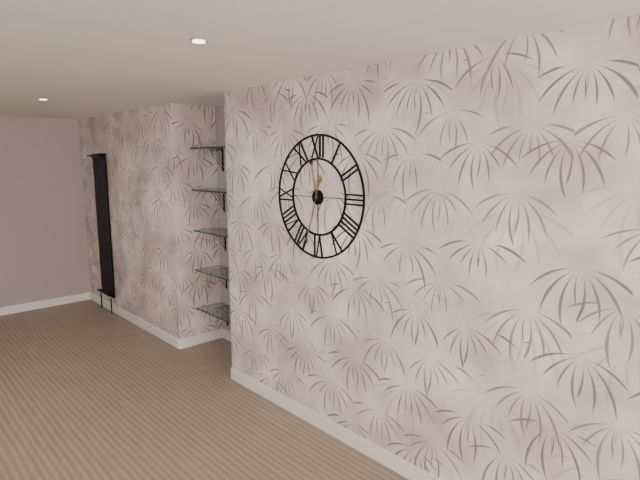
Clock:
h=11 m=33
